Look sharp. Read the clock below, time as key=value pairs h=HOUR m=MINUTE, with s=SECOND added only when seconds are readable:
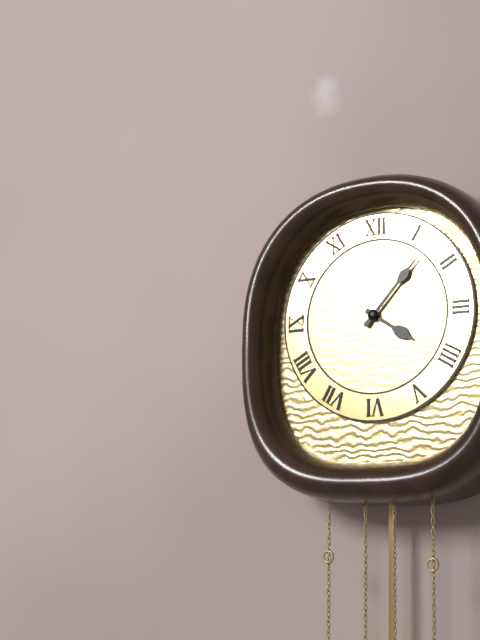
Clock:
h=4 m=7
